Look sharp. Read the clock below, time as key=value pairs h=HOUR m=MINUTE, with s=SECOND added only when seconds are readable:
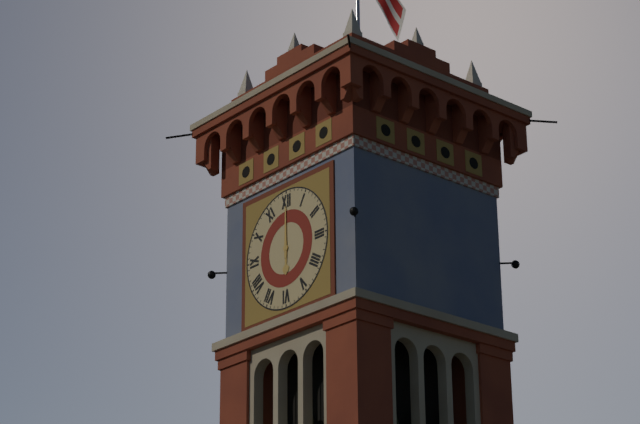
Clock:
h=6 m=0
